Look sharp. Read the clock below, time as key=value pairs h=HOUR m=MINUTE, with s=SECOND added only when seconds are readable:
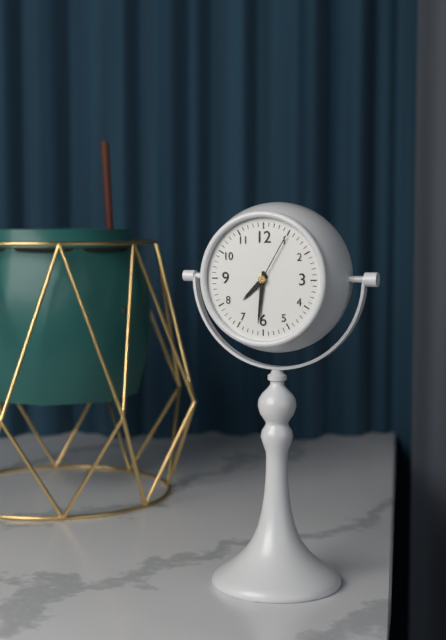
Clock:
h=7 m=31 s=5
